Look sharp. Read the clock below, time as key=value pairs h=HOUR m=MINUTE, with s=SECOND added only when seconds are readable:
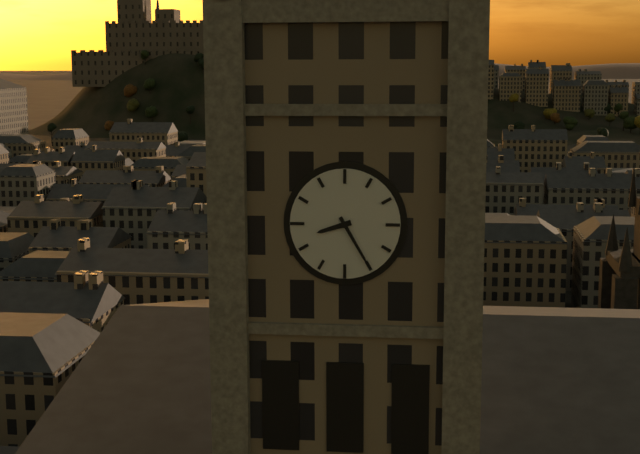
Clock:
h=8 m=25
